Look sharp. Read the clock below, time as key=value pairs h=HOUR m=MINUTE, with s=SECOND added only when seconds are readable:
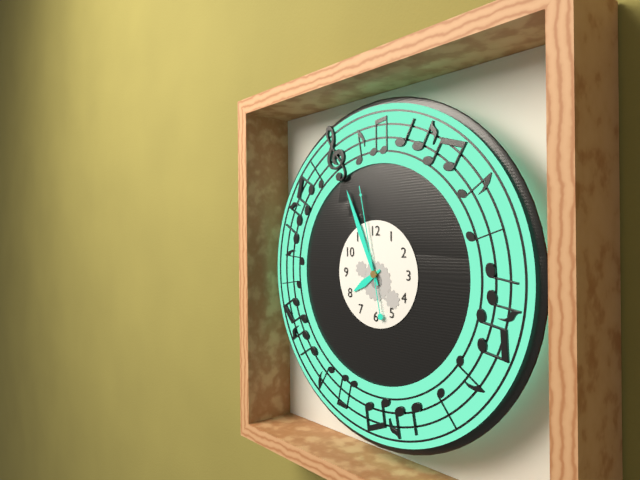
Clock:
h=7 m=56 s=58
